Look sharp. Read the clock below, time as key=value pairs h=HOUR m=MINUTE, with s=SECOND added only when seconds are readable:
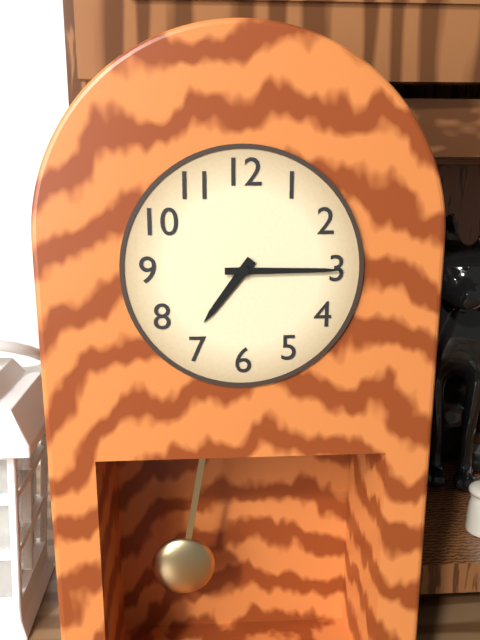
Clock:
h=7 m=15
